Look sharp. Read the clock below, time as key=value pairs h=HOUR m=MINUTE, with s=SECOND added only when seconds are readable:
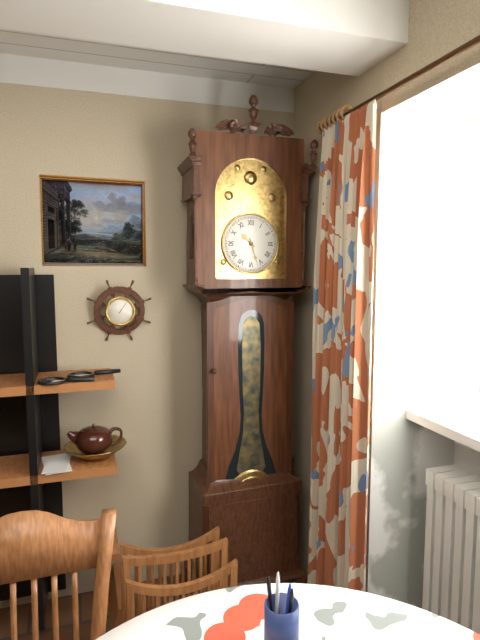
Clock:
h=10 m=27
